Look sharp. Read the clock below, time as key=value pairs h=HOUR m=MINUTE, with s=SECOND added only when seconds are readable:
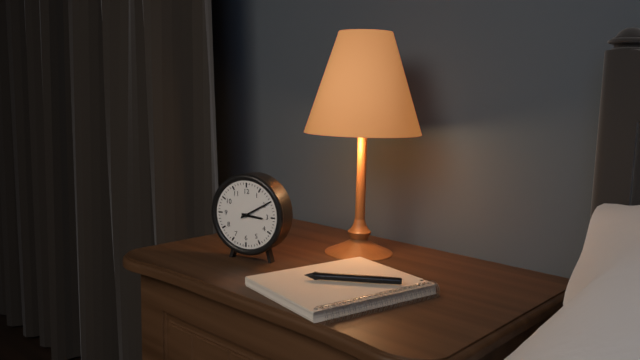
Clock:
h=3 m=10
